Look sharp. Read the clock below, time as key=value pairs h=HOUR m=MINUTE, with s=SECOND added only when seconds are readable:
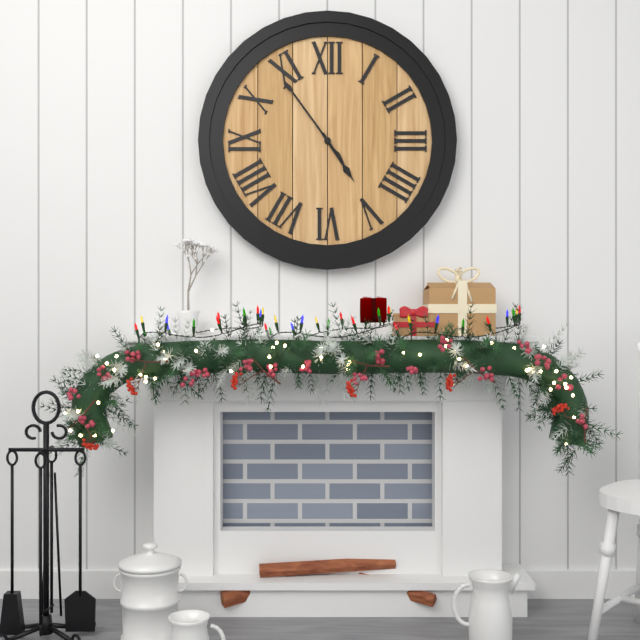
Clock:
h=4 m=54
